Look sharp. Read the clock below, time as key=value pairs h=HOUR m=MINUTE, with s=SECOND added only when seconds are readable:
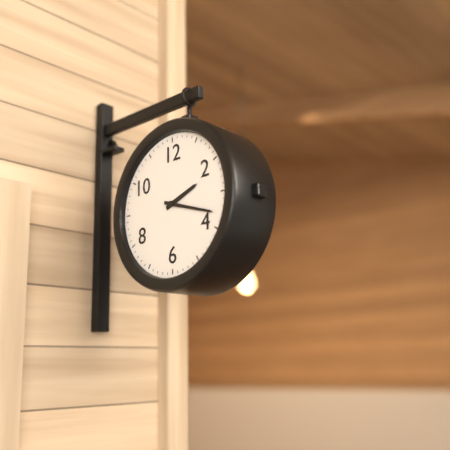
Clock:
h=2 m=18
